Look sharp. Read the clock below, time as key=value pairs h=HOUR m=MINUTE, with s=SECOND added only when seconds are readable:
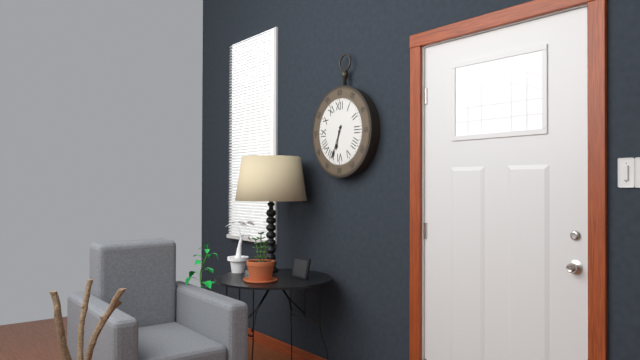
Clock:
h=6 m=34
